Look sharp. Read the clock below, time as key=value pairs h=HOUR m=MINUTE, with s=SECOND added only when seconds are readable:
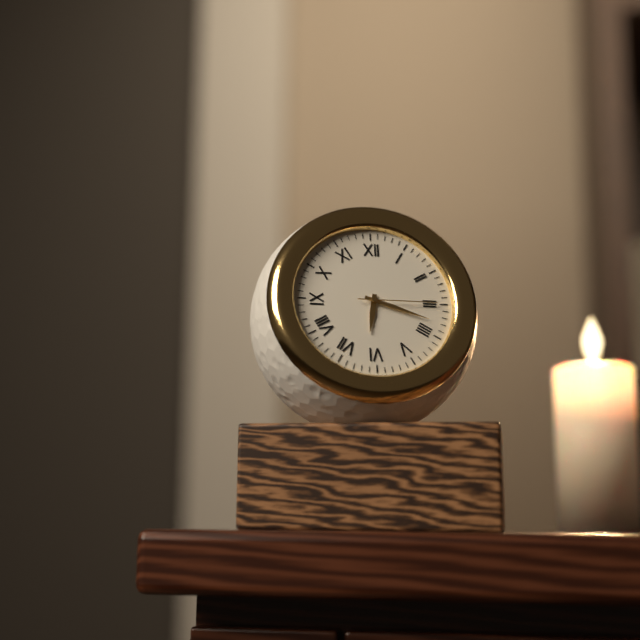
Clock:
h=6 m=18 s=15
